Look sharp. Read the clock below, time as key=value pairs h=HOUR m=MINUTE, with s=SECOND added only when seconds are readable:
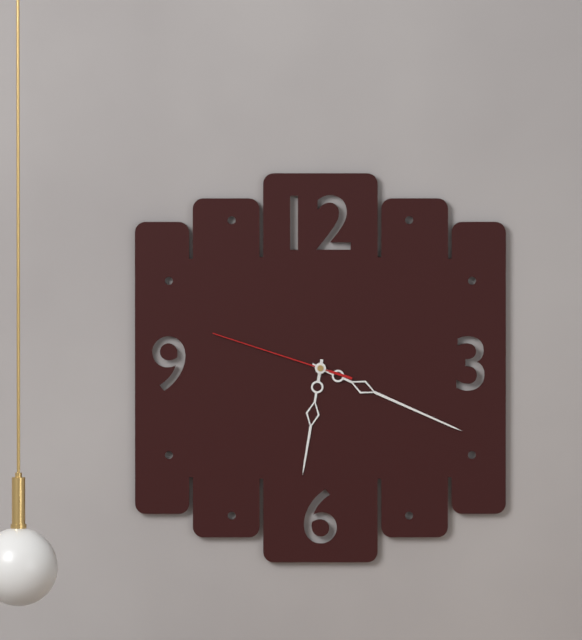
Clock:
h=6 m=19 s=48
